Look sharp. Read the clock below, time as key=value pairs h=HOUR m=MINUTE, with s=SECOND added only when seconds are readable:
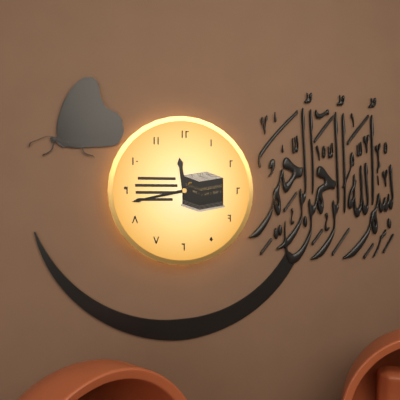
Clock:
h=11 m=43
